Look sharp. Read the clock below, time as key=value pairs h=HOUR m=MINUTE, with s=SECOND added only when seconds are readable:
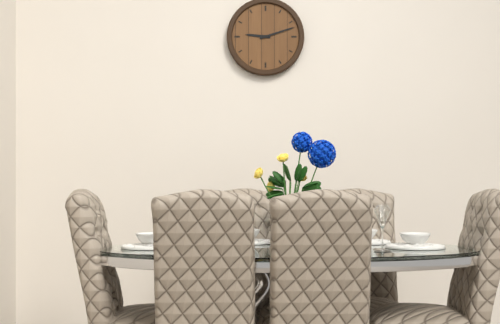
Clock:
h=9 m=12
